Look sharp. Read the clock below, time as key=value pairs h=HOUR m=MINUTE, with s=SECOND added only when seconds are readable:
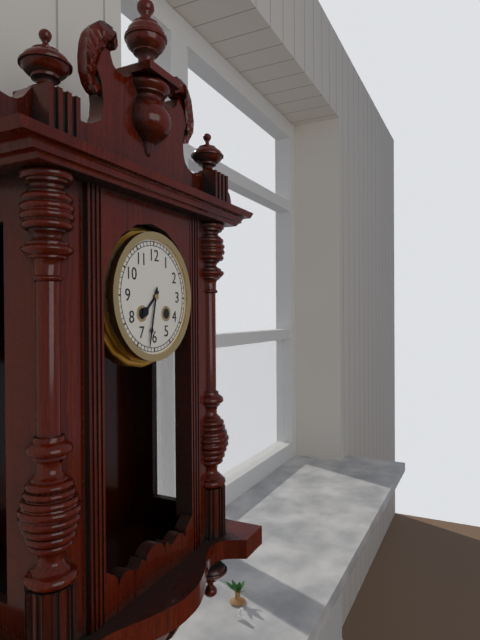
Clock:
h=7 m=32
